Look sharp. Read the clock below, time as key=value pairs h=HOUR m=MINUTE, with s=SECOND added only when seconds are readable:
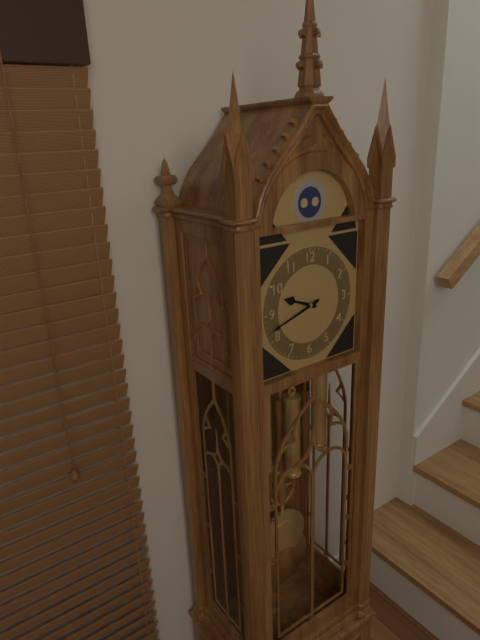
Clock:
h=9 m=42
